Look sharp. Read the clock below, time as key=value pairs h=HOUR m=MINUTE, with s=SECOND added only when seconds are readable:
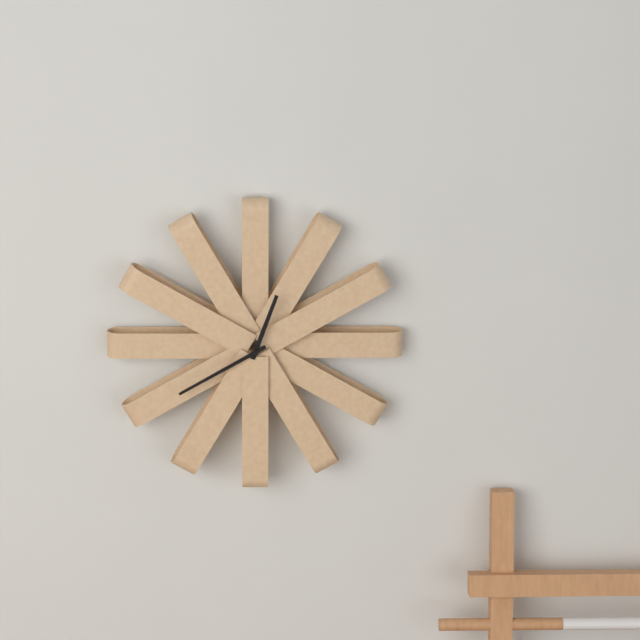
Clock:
h=12 m=40
